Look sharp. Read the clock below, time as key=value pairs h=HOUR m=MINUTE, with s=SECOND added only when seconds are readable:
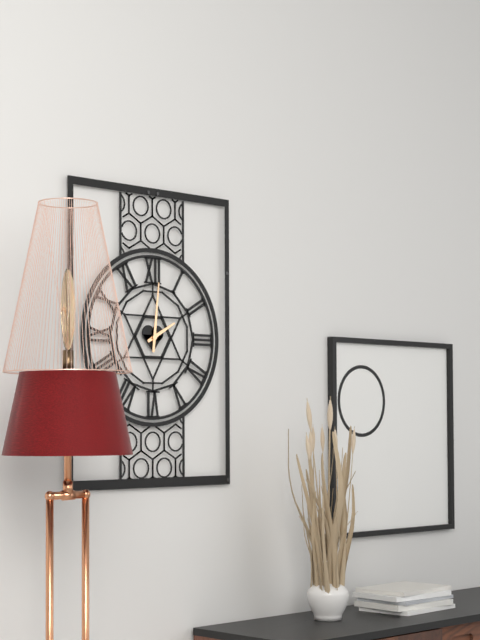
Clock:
h=2 m=1
